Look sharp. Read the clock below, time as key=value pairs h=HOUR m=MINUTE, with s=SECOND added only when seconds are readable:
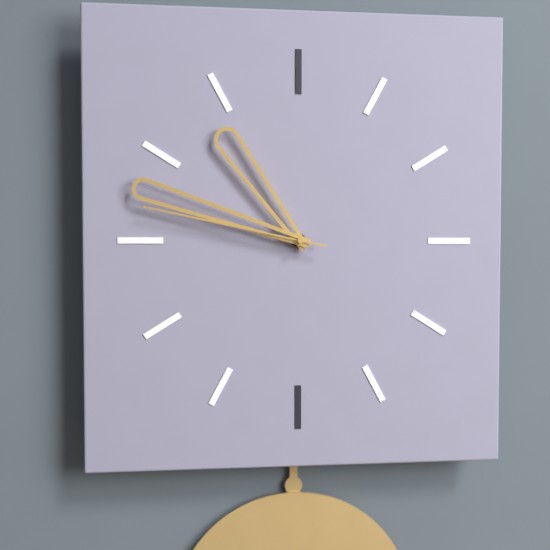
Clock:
h=10 m=48 s=47
